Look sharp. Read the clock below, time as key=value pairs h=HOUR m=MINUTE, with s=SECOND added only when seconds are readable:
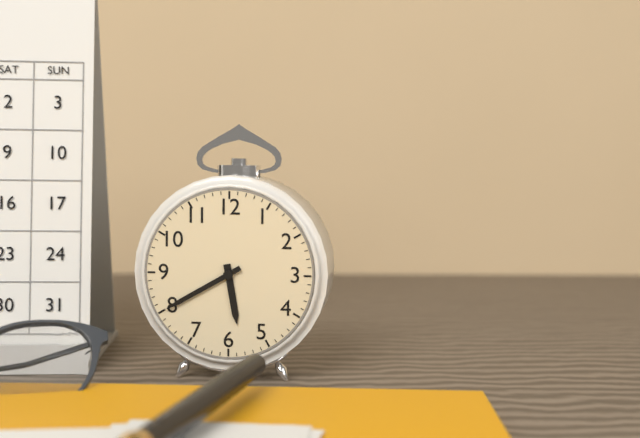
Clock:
h=5 m=40
